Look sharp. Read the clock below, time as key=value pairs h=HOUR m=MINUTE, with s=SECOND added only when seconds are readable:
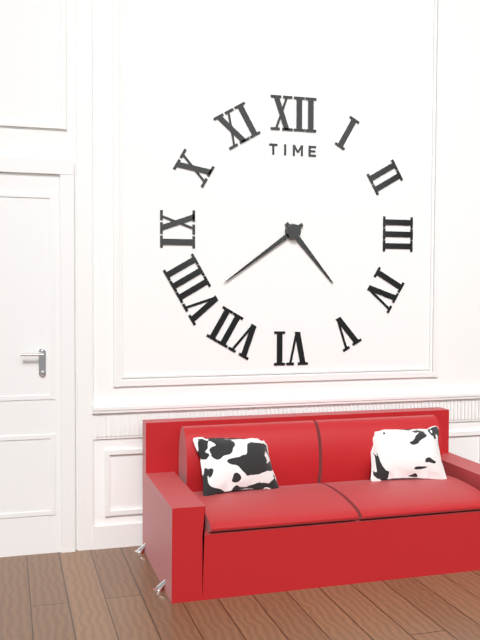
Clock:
h=4 m=39
